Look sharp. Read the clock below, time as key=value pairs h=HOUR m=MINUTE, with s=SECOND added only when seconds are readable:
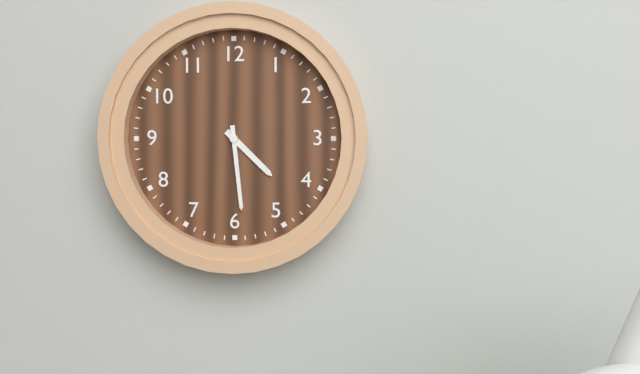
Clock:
h=4 m=29
